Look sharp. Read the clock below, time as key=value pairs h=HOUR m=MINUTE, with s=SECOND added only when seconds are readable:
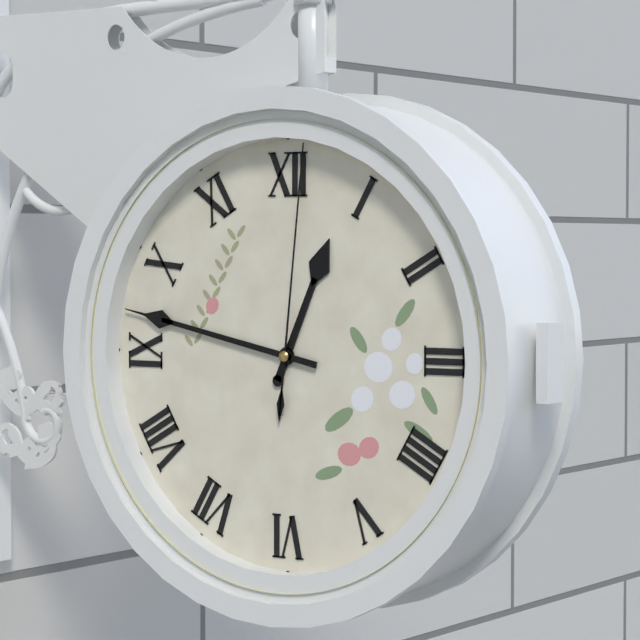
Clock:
h=12 m=47 s=1
